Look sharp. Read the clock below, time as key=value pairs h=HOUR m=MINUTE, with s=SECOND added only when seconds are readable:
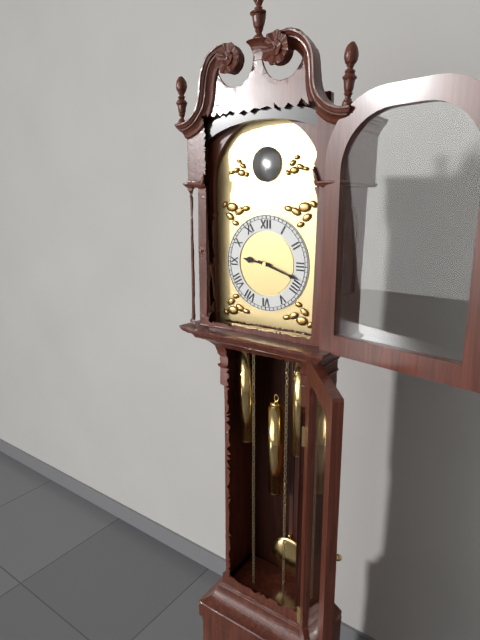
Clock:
h=9 m=18
